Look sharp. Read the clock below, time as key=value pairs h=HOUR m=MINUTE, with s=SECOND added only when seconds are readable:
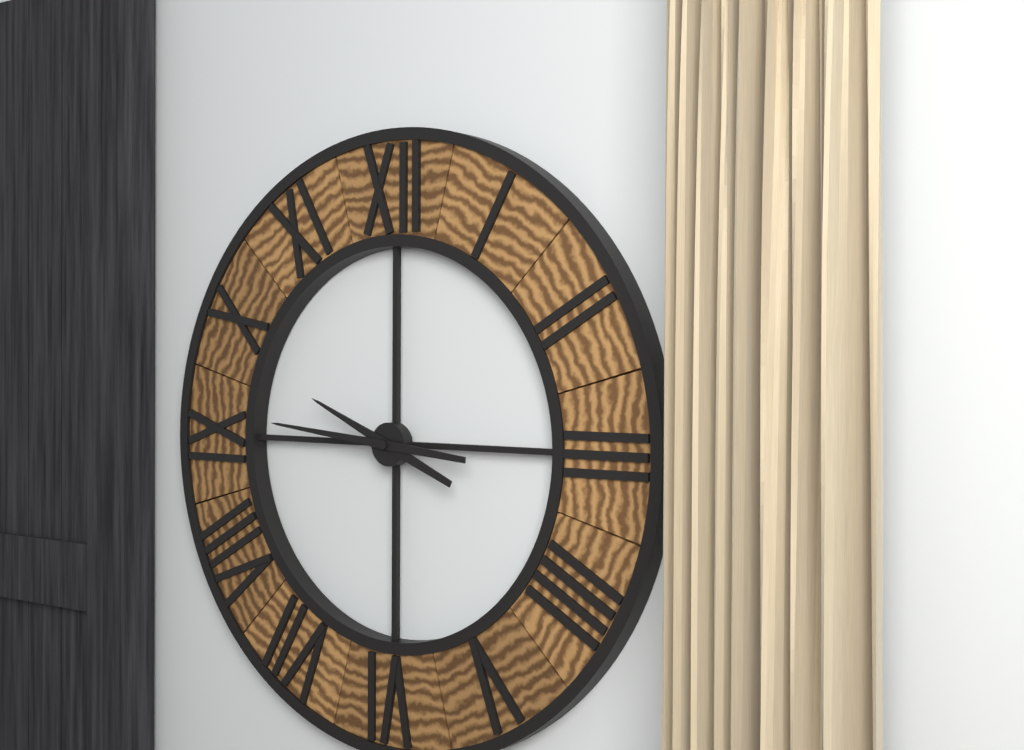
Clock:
h=9 m=46
